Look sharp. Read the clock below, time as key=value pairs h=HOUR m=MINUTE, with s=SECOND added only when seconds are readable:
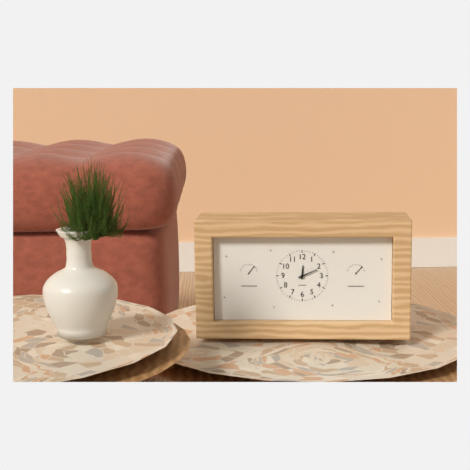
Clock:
h=12 m=11
